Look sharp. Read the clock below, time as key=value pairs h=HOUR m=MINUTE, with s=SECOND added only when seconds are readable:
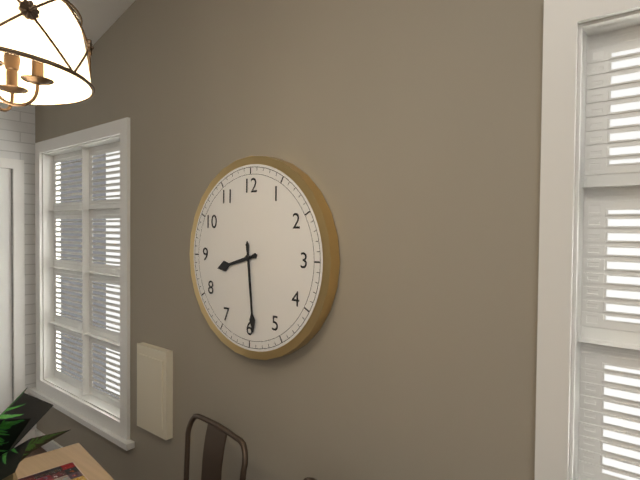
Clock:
h=8 m=29
